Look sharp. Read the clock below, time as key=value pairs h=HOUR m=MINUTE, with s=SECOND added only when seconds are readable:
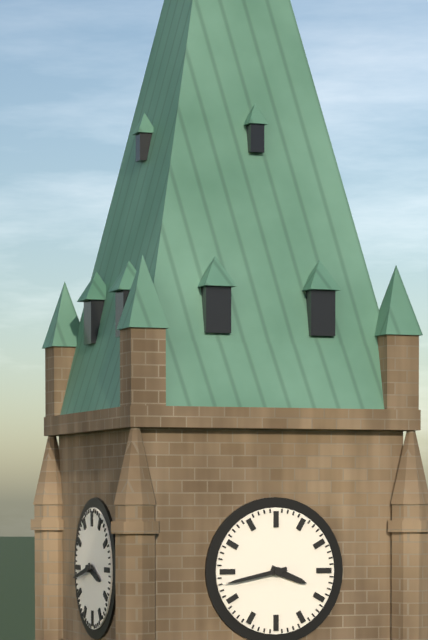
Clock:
h=3 m=43
